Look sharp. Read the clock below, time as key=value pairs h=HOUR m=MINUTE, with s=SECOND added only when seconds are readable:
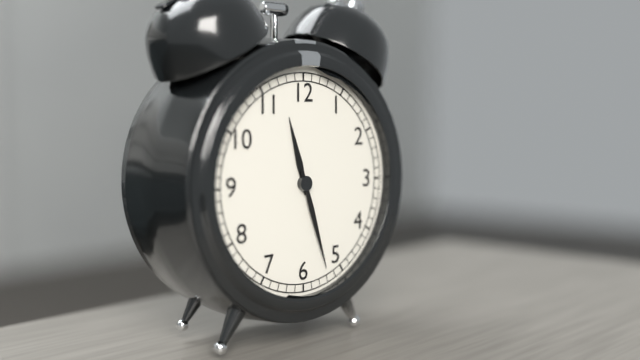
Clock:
h=11 m=27
